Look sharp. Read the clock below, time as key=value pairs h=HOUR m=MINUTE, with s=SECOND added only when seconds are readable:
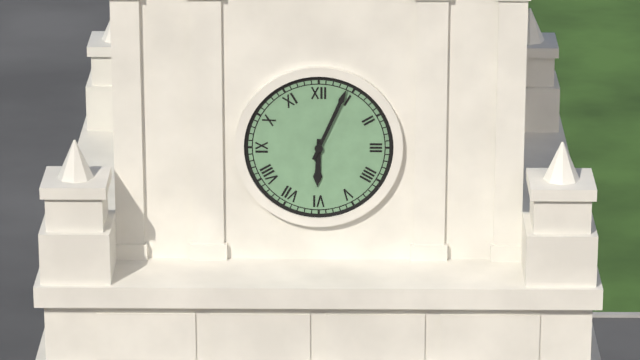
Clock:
h=6 m=4
